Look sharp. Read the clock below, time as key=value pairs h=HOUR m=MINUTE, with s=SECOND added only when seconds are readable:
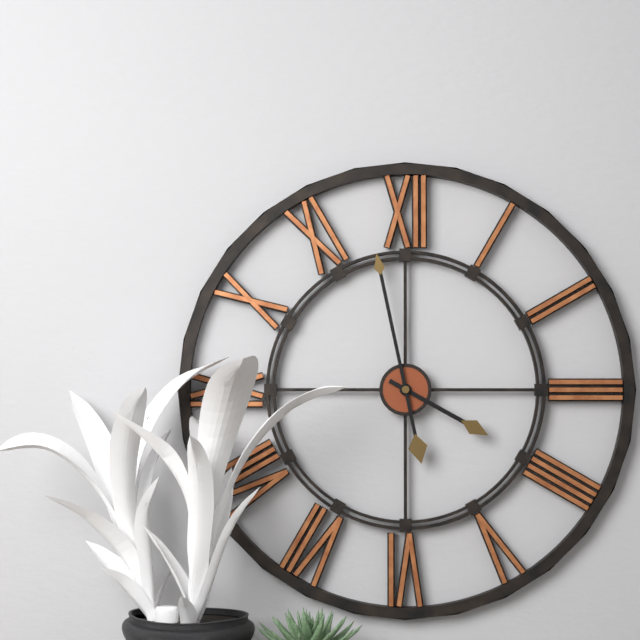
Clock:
h=3 m=58
